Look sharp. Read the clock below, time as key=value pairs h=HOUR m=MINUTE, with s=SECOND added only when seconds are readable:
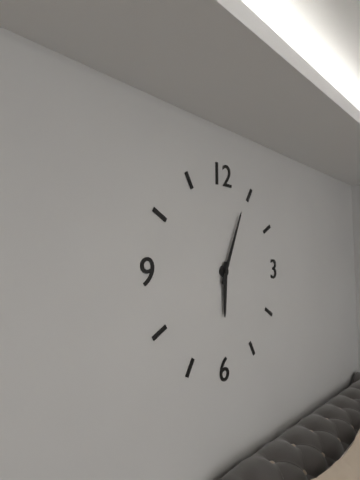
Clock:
h=6 m=4
